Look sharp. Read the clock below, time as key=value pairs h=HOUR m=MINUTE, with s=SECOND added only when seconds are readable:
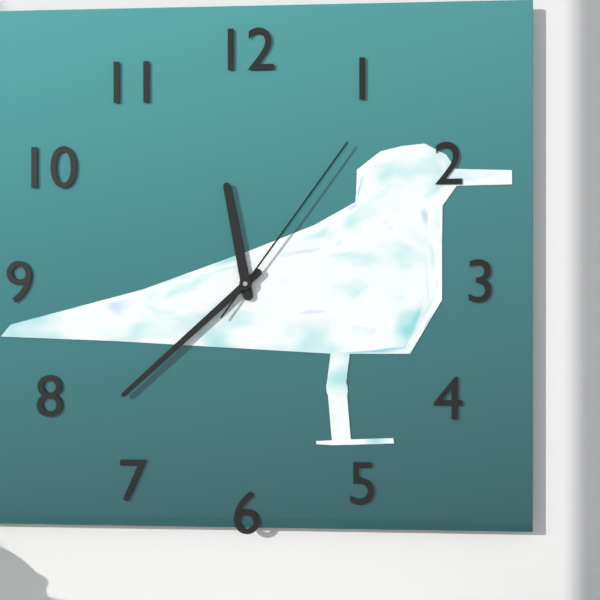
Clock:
h=11 m=38 s=6
